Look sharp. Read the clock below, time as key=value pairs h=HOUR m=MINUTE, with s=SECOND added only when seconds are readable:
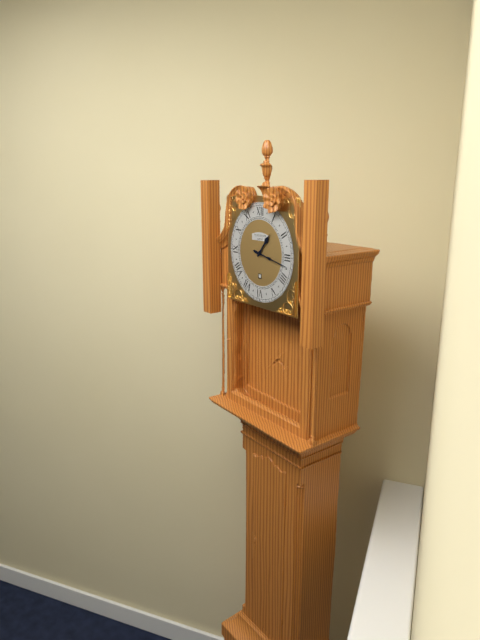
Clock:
h=1 m=17
